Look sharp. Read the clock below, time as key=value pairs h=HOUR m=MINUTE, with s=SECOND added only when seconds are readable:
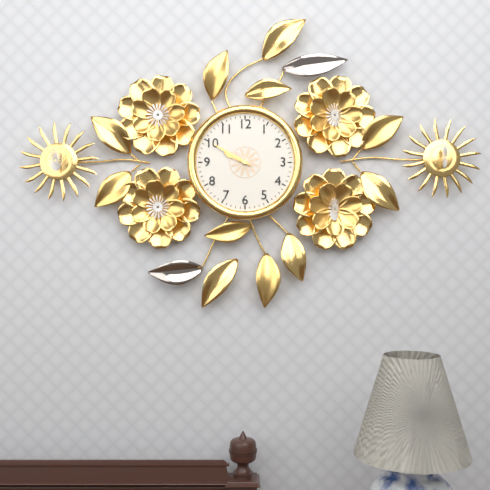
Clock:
h=9 m=50
